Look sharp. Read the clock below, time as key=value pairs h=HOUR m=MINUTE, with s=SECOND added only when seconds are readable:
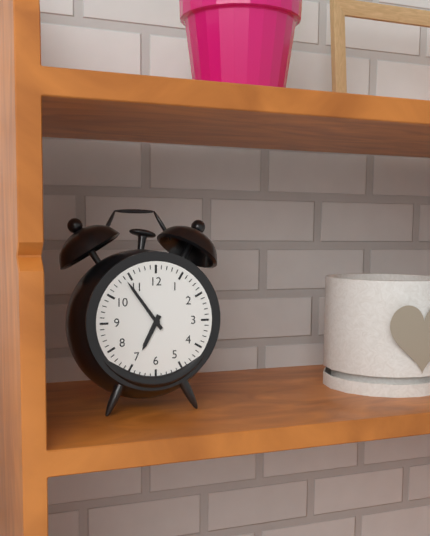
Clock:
h=6 m=54
